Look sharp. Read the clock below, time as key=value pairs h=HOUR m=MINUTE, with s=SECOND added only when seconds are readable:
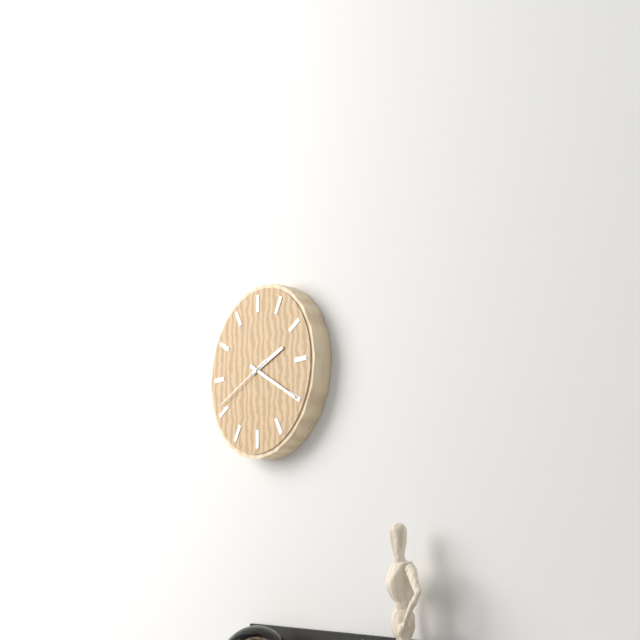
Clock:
h=2 m=20 s=41
